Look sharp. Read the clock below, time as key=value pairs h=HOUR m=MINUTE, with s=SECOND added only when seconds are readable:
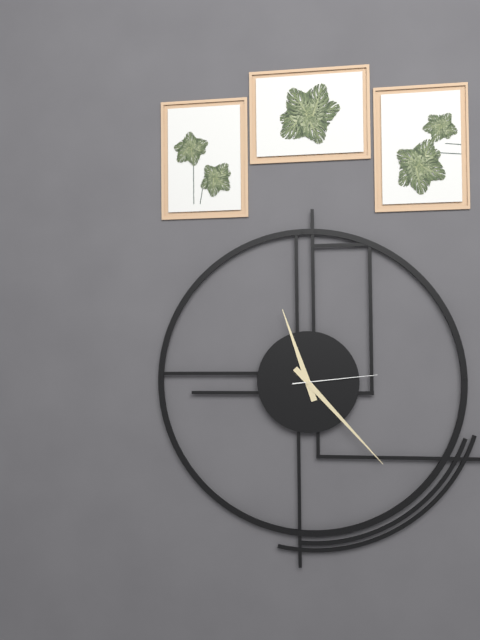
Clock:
h=11 m=23 s=14
